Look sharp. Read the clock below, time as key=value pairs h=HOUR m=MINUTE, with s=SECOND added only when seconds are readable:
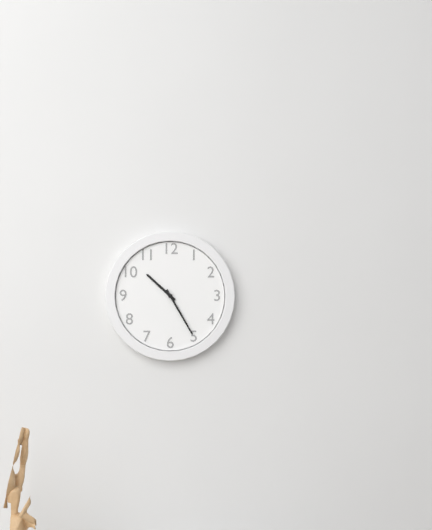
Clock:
h=10 m=25
